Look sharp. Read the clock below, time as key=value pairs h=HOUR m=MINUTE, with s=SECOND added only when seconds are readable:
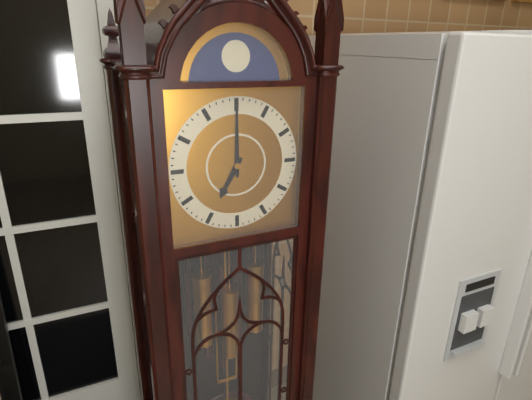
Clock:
h=7 m=0
